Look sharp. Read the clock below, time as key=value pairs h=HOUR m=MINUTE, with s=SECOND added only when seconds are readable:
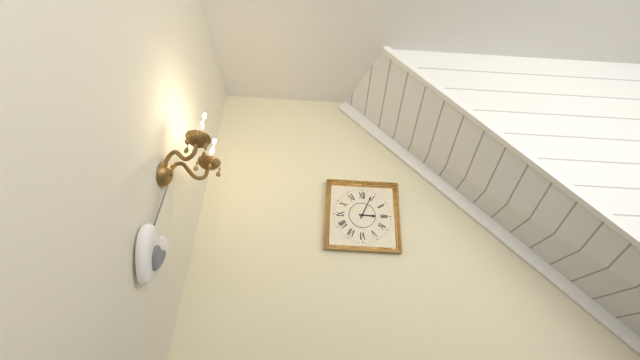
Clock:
h=3 m=4
